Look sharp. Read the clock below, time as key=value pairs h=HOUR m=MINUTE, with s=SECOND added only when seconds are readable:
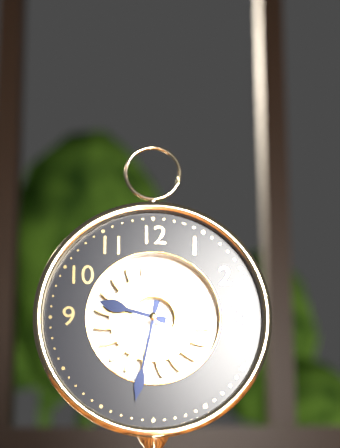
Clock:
h=9 m=32
